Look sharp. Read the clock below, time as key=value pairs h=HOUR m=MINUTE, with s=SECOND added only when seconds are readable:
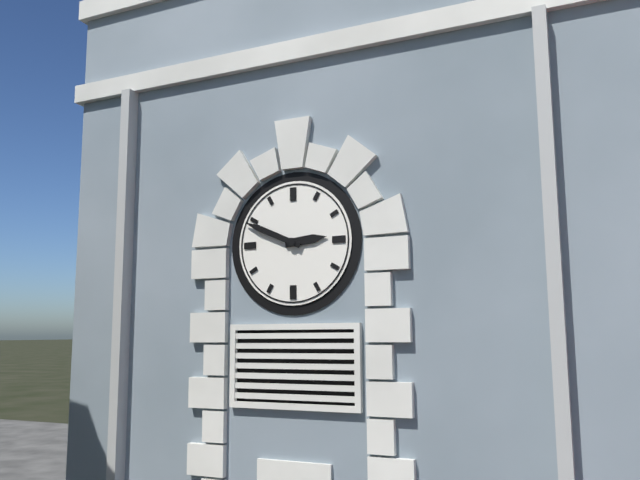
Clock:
h=2 m=49
